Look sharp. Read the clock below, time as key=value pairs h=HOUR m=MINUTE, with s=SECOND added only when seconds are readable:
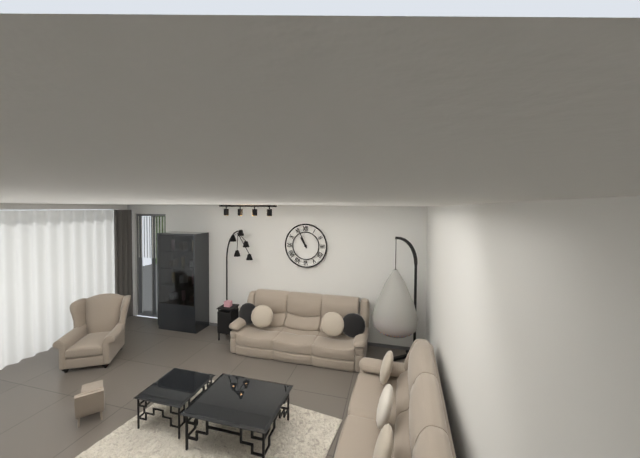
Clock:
h=10 m=56
